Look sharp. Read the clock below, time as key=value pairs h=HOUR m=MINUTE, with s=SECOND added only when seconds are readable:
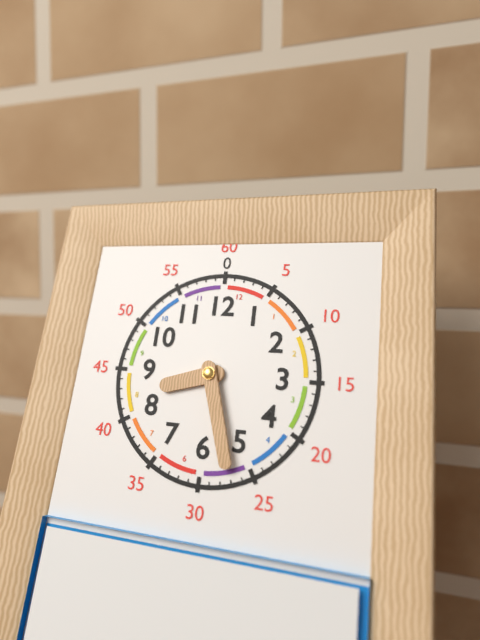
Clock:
h=8 m=27
